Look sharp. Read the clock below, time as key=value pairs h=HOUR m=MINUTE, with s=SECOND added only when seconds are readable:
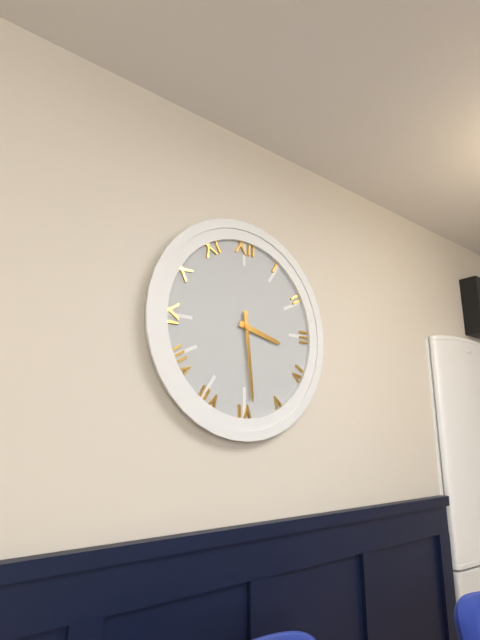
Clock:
h=3 m=29
